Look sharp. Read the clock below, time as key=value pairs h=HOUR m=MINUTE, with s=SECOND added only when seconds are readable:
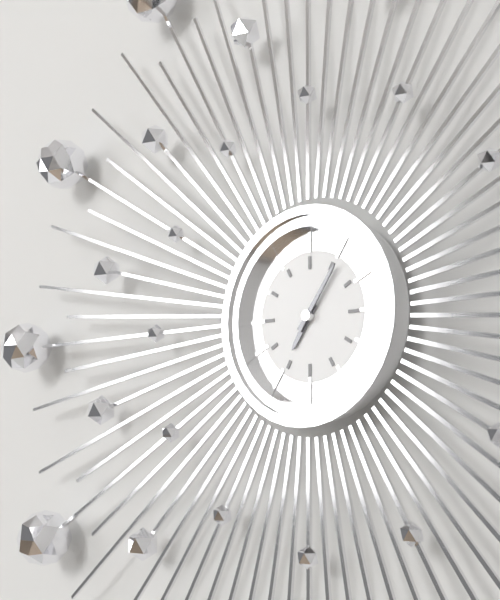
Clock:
h=7 m=6
